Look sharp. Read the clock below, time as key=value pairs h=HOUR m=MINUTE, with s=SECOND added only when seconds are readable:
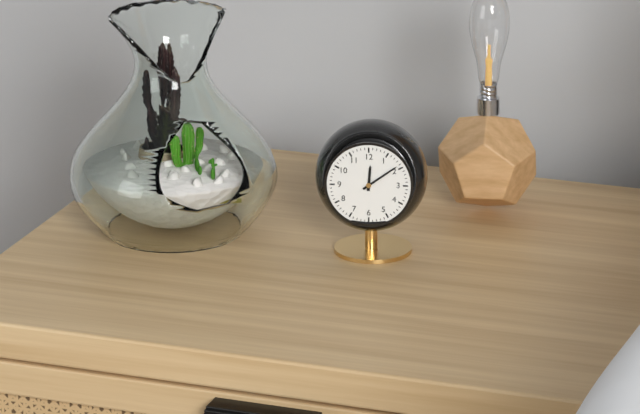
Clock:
h=12 m=9
